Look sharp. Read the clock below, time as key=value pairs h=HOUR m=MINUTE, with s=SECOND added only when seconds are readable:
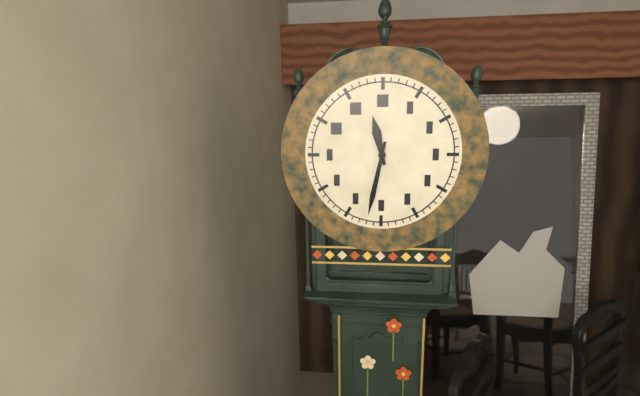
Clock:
h=11 m=32
